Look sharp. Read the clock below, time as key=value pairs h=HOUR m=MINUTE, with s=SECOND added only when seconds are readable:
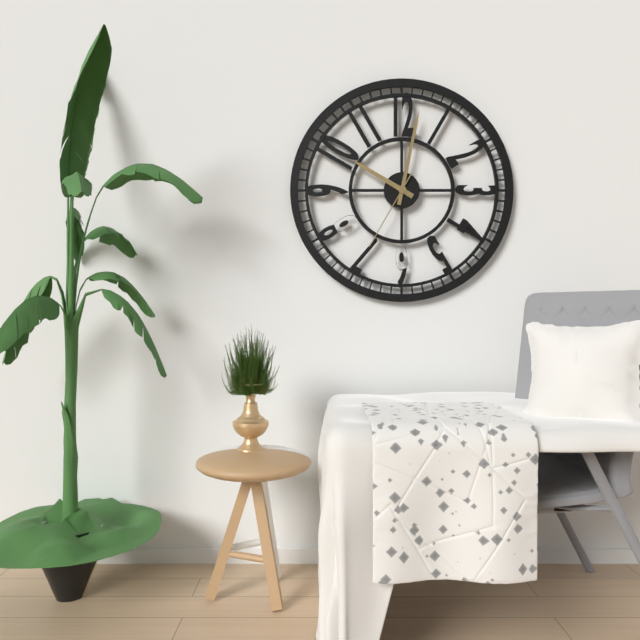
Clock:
h=10 m=2 s=35
